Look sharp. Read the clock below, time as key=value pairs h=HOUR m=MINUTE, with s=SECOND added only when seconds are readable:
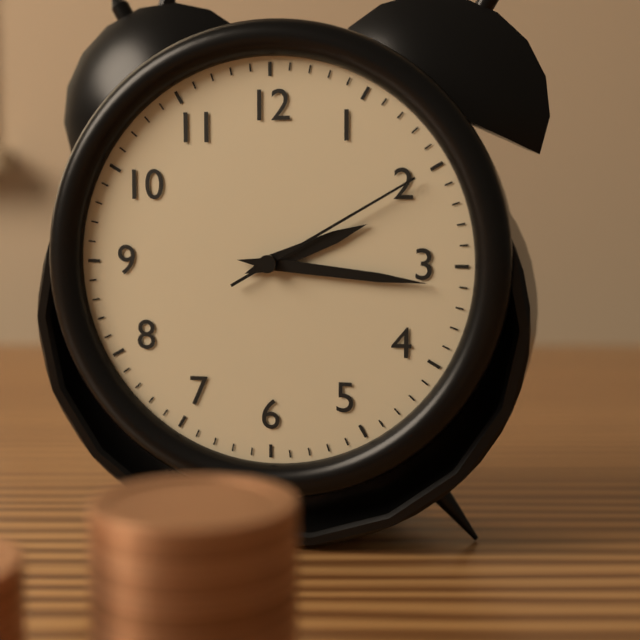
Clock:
h=2 m=16 s=10
